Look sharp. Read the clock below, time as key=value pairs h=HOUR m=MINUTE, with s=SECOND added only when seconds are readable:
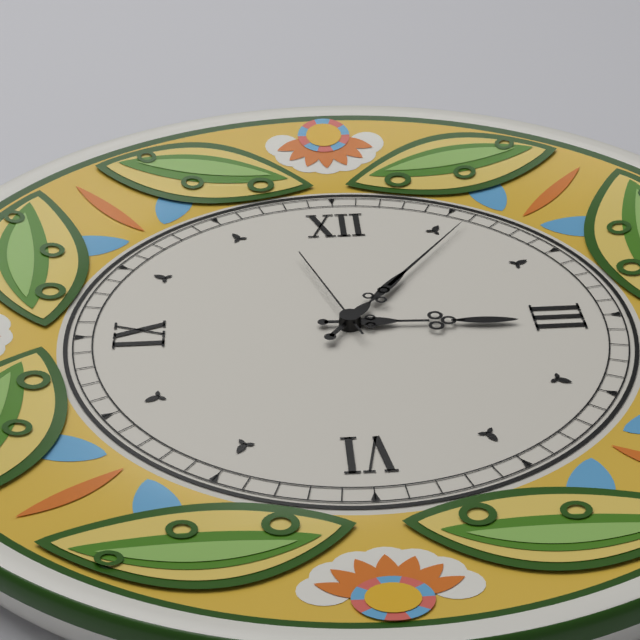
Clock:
h=3 m=6 s=57
